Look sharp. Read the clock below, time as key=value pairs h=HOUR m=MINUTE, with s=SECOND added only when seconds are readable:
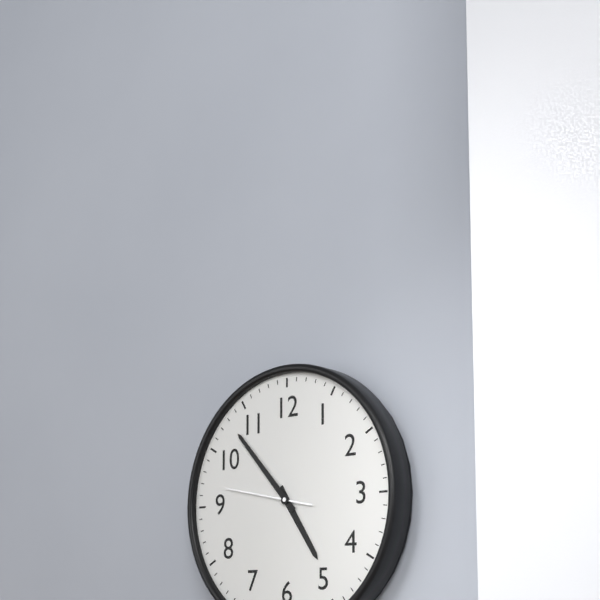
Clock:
h=4 m=53 s=47
